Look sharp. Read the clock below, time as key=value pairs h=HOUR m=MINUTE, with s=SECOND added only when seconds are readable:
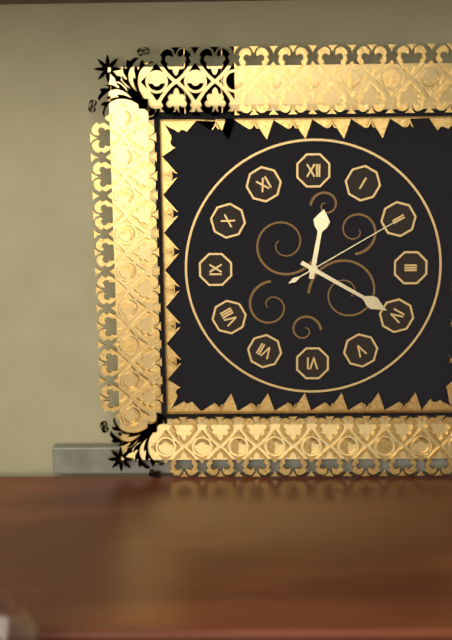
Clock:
h=12 m=20 s=10
